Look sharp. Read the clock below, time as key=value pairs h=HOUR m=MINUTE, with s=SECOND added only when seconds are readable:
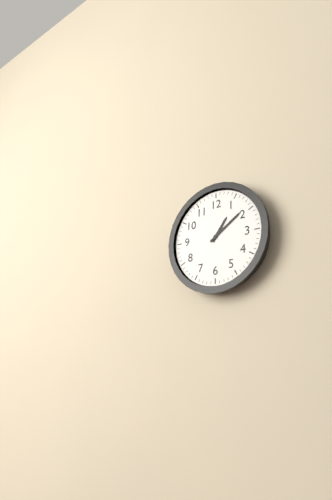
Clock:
h=1 m=9
